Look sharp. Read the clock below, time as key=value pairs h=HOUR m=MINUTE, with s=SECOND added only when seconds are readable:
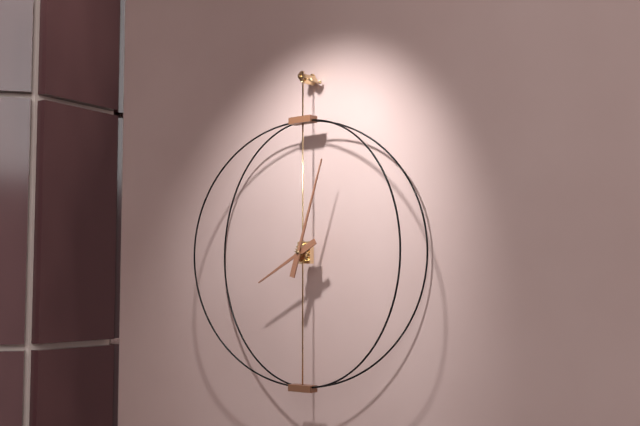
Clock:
h=8 m=3
